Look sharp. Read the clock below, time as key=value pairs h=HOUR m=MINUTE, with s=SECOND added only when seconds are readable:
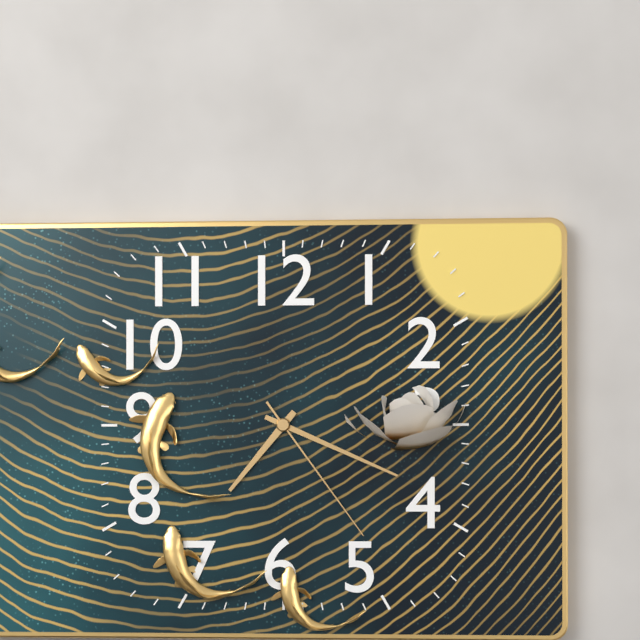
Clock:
h=7 m=19 s=24
